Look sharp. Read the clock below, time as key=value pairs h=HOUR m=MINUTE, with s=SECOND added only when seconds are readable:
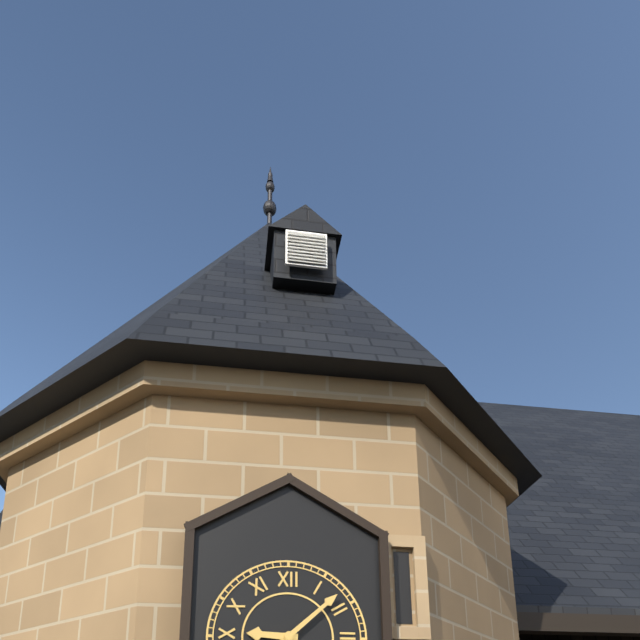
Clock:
h=9 m=8
